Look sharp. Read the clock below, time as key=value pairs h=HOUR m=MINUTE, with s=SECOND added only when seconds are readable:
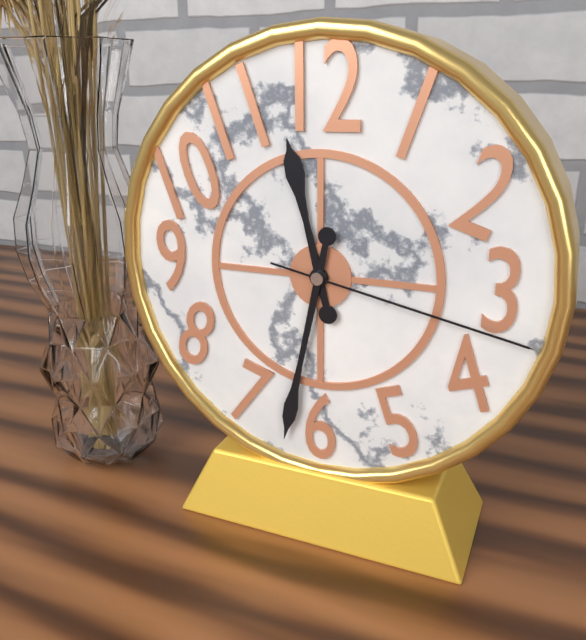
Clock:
h=11 m=32 s=17
